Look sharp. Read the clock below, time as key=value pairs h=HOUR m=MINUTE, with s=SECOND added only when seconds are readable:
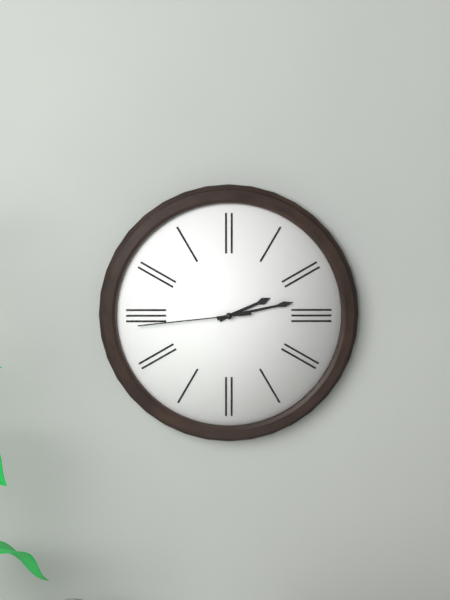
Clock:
h=2 m=13 s=44
